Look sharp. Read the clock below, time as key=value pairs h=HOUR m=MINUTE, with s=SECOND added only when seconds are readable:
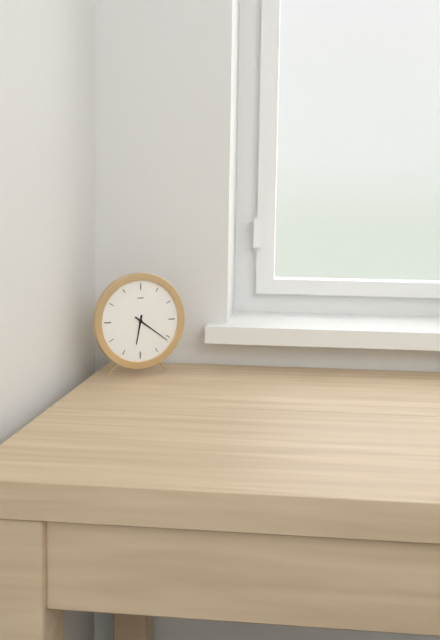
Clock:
h=6 m=21
